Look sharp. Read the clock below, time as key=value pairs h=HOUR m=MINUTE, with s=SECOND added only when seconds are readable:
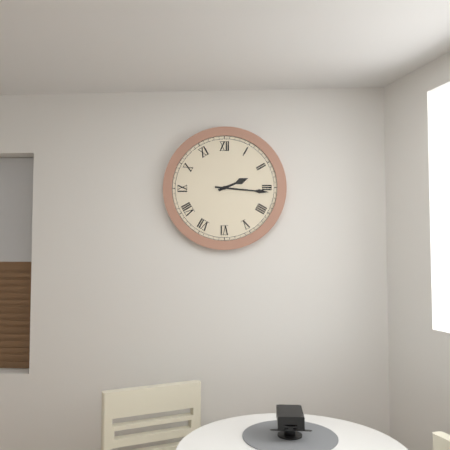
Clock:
h=2 m=16
